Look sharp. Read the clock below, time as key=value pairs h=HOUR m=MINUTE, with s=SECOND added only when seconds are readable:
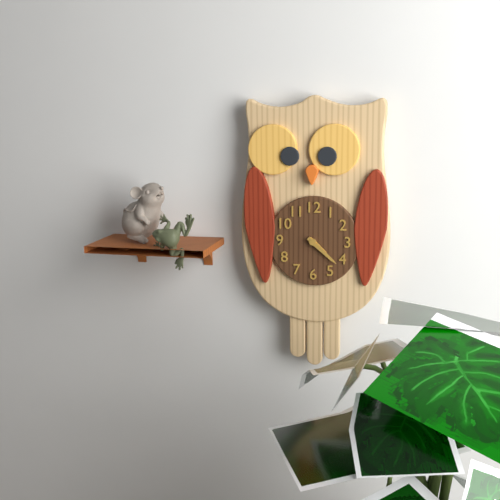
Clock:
h=4 m=22
